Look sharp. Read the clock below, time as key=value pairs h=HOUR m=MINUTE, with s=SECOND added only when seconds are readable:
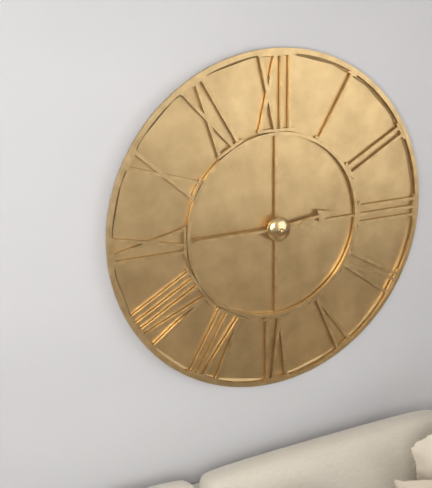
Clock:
h=2 m=45
